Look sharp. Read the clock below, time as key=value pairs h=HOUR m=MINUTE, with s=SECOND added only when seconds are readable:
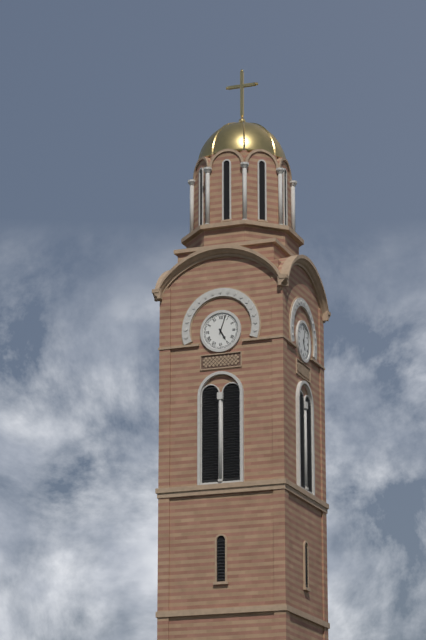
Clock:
h=5 m=3
